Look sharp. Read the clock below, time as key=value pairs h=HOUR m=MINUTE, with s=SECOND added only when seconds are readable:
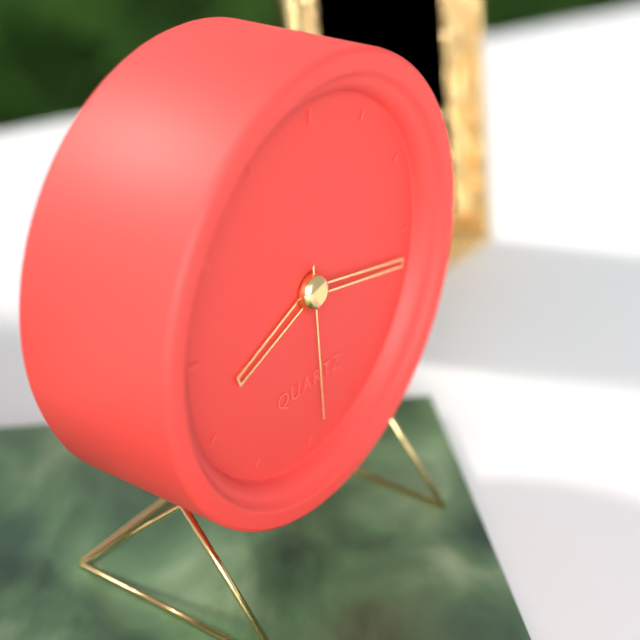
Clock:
h=8 m=17 s=29
